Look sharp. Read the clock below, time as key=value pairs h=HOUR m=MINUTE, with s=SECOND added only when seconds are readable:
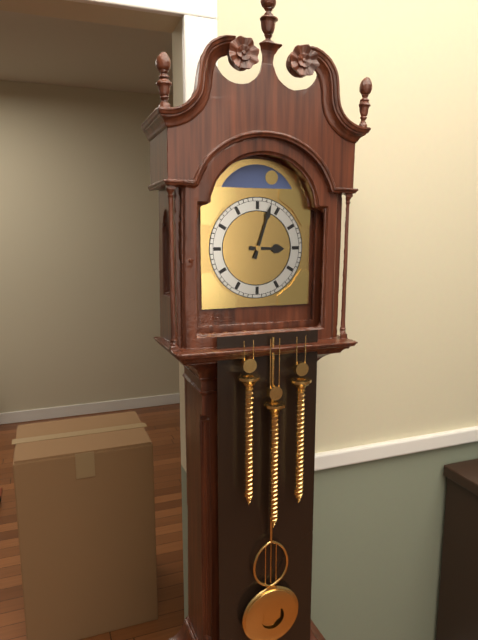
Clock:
h=3 m=3
